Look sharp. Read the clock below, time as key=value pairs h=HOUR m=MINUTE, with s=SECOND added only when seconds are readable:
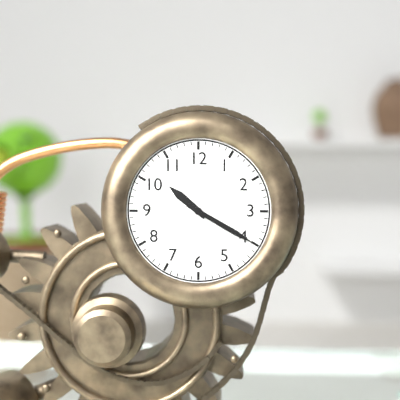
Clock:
h=10 m=20
